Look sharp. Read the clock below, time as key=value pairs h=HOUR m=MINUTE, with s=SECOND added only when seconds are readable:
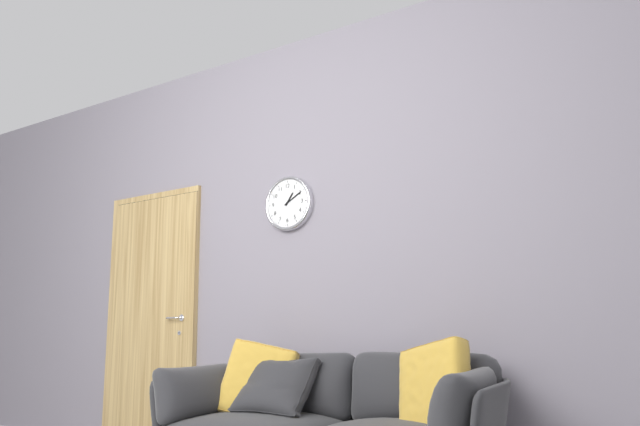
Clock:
h=1 m=10
